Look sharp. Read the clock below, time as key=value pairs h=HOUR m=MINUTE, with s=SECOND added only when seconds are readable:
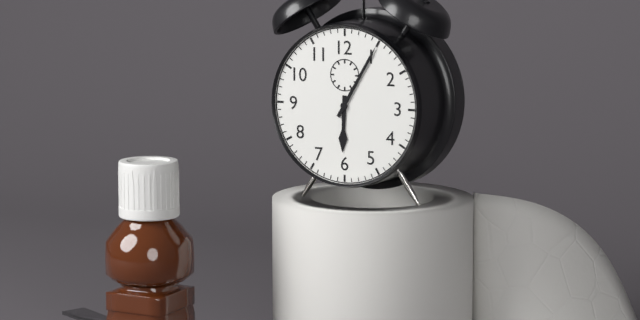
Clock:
h=6 m=5
